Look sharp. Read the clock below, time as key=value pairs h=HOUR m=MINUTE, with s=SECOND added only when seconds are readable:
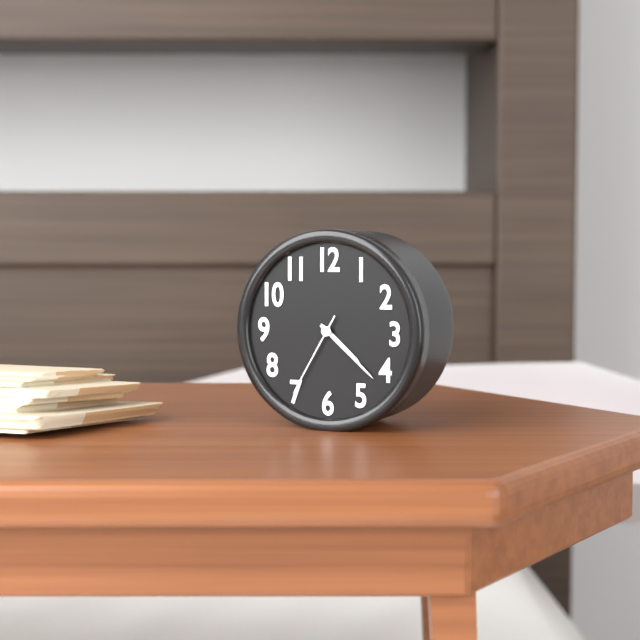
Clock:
h=4 m=22 s=35
